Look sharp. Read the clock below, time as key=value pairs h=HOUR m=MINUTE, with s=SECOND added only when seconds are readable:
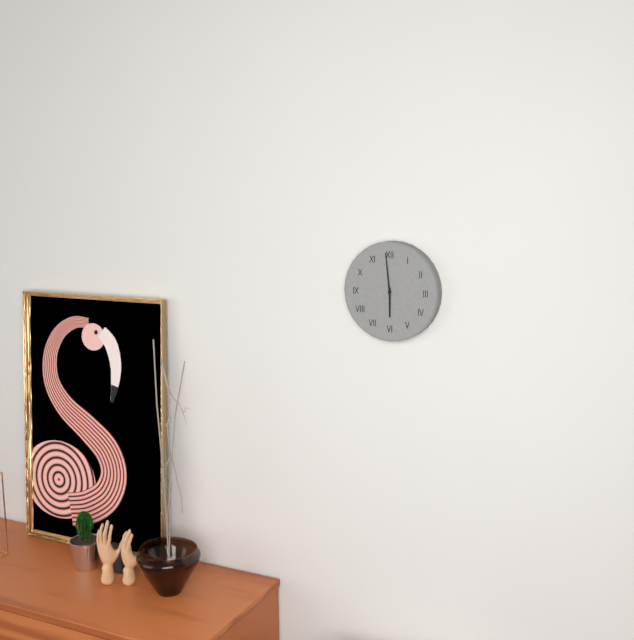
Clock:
h=5 m=59
